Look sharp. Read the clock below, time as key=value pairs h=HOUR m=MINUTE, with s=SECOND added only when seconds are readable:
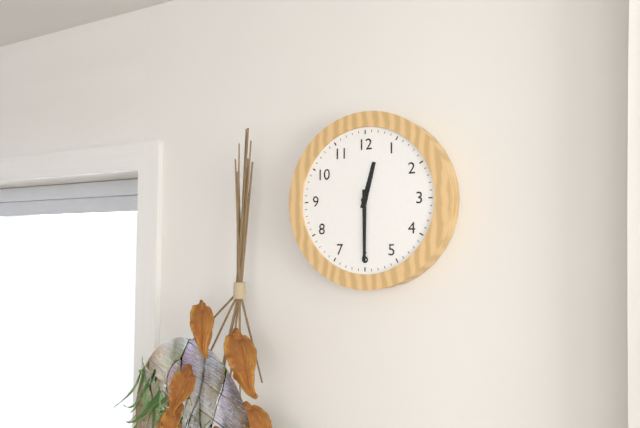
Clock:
h=12 m=30
